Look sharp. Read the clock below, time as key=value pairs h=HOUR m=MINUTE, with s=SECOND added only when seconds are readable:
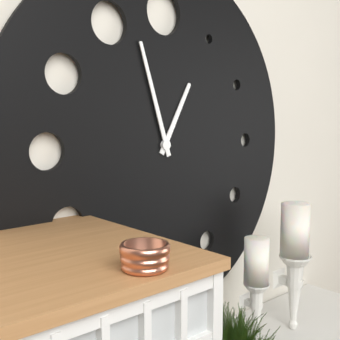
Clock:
h=12 m=57
